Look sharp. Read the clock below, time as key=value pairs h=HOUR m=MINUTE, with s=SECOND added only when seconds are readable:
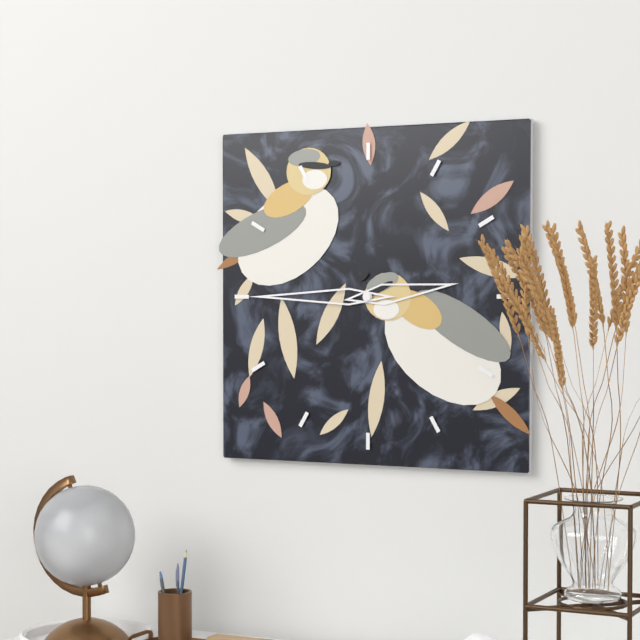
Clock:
h=2 m=45
